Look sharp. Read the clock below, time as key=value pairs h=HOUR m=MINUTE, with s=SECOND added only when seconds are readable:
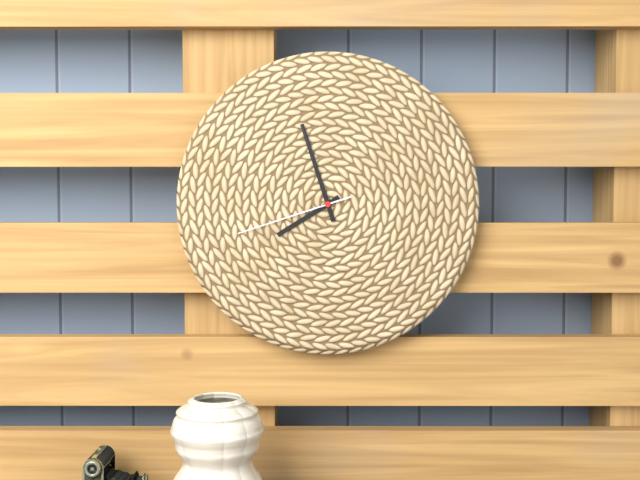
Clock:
h=7 m=57 s=42
